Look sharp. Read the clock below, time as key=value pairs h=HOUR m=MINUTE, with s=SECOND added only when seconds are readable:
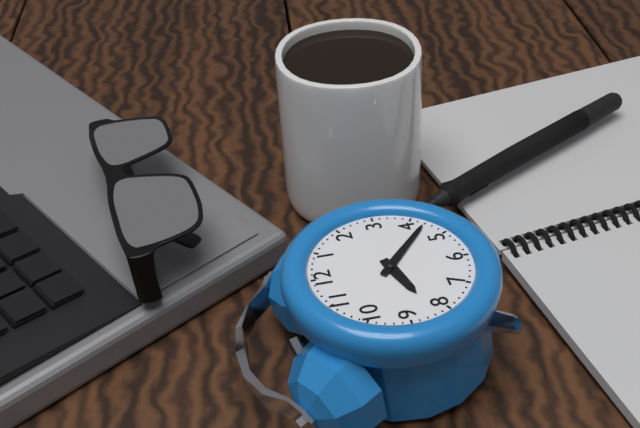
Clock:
h=8 m=22
